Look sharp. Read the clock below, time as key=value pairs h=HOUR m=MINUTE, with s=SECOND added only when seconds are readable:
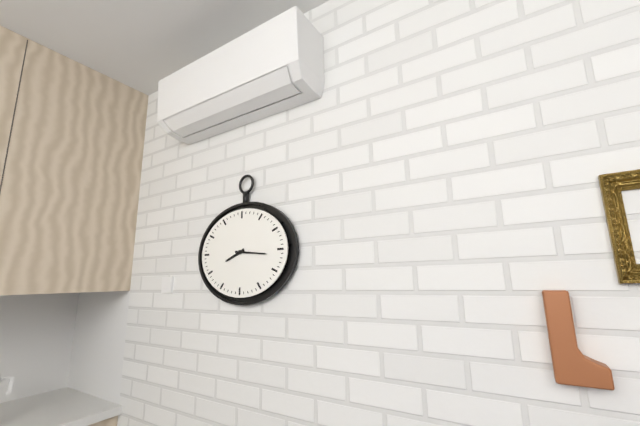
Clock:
h=8 m=16
